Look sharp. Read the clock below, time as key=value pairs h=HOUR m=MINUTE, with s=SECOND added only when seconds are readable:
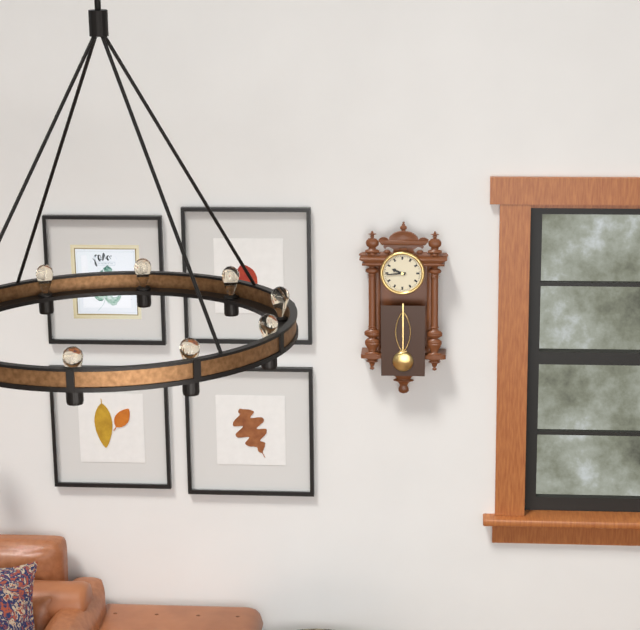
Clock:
h=9 m=44
